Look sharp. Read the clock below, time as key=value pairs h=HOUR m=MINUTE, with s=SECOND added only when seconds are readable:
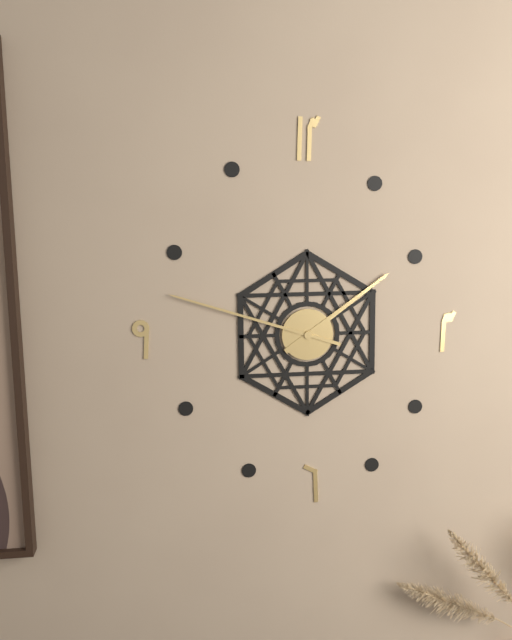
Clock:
h=1 m=48
